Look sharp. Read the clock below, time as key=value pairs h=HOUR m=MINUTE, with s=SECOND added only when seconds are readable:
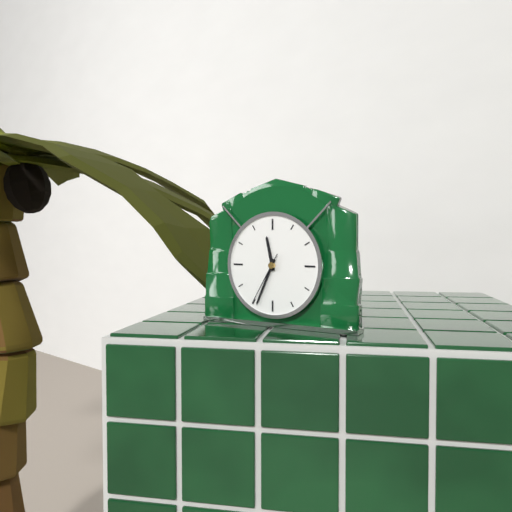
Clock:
h=11 m=34 s=35
